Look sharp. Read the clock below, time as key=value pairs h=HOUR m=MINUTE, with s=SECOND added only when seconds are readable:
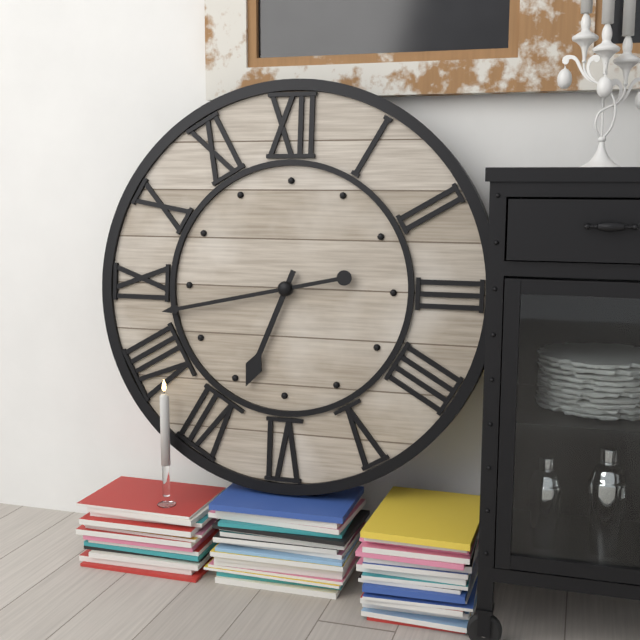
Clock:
h=6 m=43
